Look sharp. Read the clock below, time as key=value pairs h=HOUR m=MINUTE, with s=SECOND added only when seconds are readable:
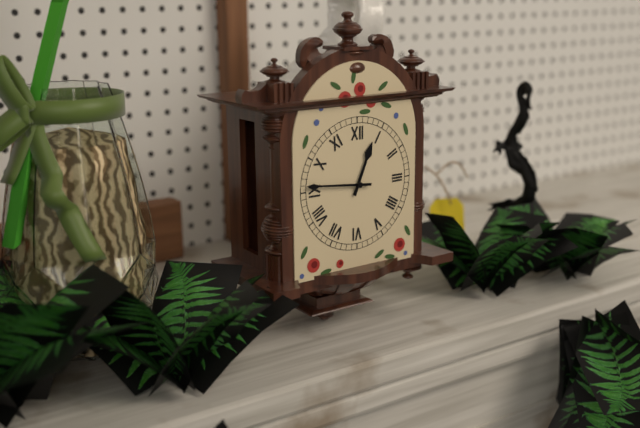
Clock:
h=12 m=46
